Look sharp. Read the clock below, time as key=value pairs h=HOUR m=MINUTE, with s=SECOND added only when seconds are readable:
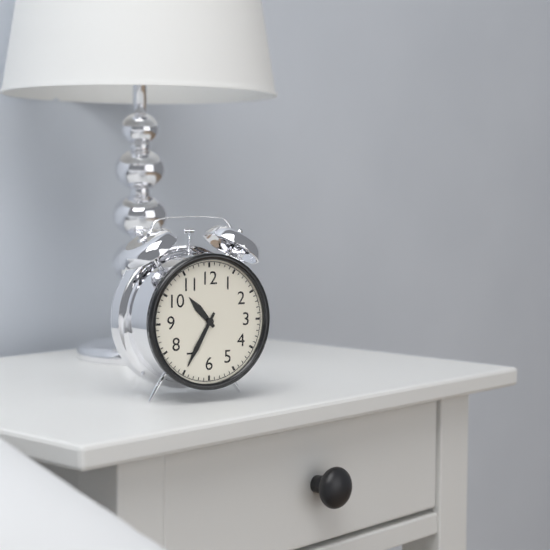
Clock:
h=10 m=35
